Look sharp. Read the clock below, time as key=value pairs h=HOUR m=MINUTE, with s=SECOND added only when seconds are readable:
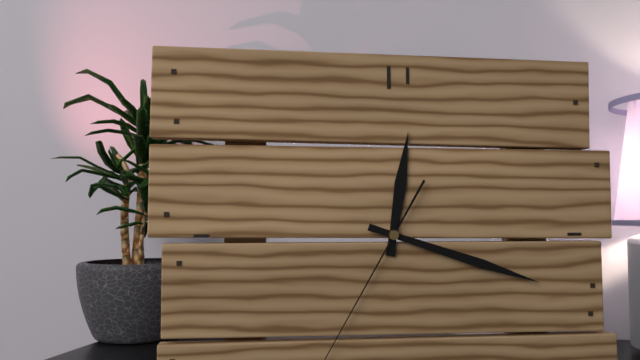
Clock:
h=12 m=18
